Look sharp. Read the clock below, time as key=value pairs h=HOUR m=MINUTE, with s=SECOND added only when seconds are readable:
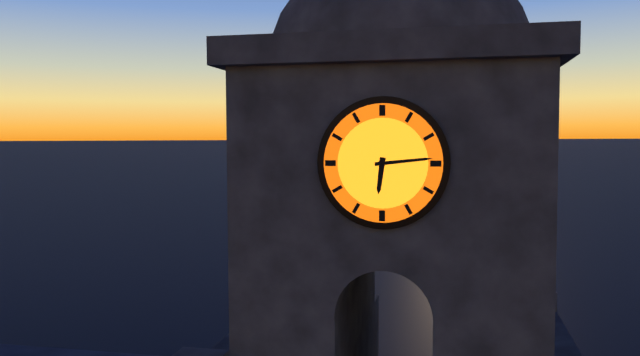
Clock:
h=6 m=14
